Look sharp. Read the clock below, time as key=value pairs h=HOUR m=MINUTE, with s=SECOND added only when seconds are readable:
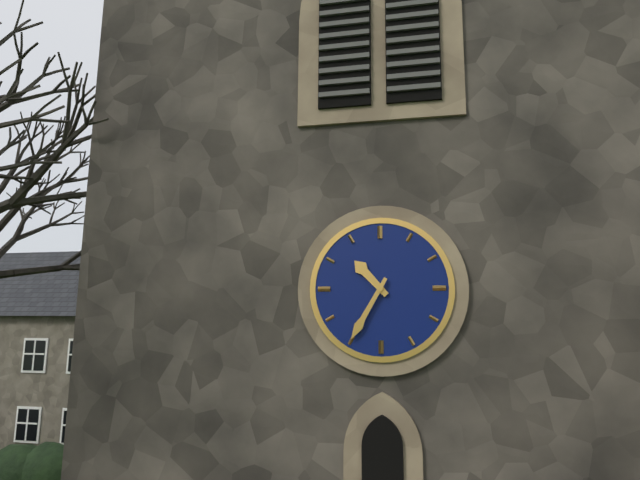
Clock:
h=10 m=35
